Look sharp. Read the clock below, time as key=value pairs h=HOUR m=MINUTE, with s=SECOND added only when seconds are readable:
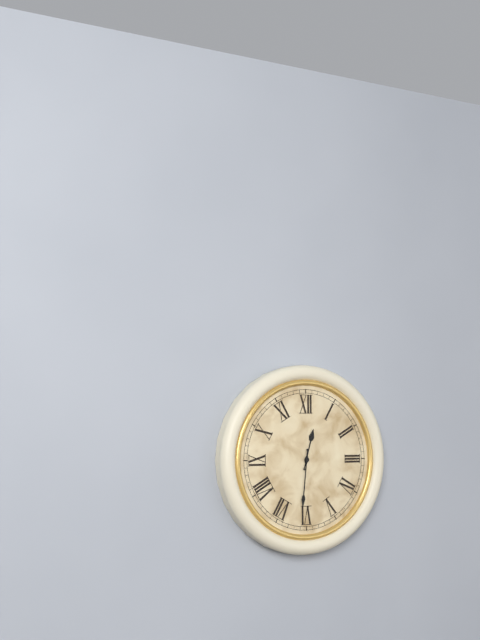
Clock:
h=12 m=31
